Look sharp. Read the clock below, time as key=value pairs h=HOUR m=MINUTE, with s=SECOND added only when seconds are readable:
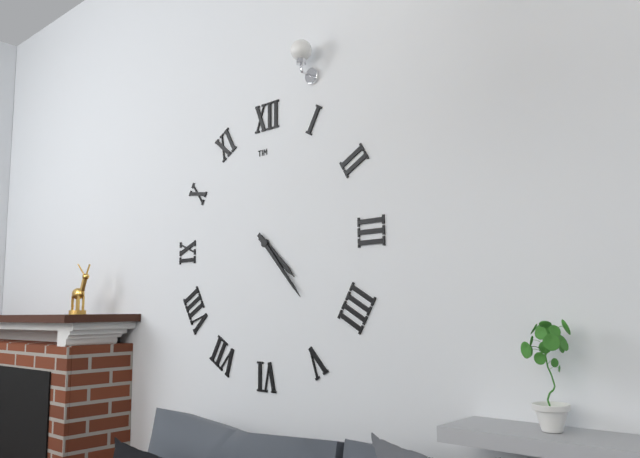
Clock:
h=4 m=23
